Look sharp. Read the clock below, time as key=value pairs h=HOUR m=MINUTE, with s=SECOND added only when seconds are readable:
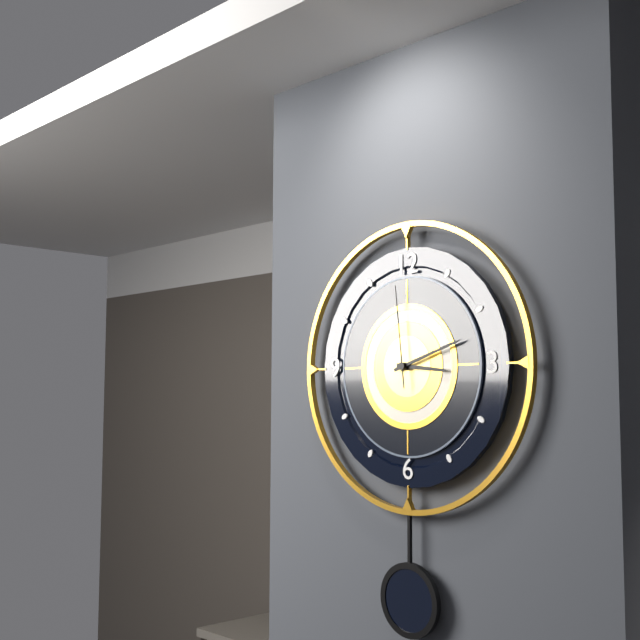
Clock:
h=3 m=12 s=59
